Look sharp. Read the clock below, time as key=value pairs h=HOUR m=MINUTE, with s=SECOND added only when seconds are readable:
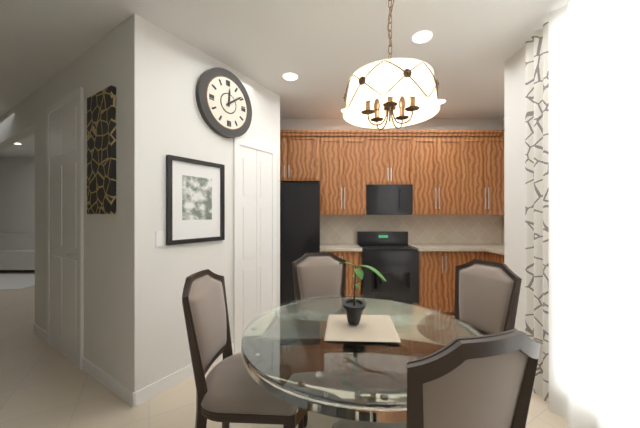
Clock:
h=12 m=9
